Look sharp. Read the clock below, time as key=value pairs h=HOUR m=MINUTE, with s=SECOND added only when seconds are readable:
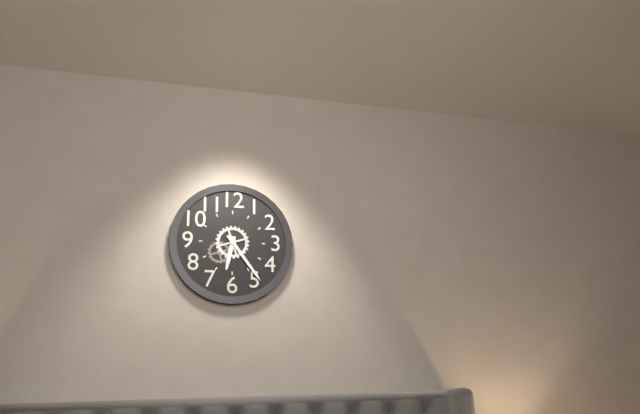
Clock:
h=6 m=24
